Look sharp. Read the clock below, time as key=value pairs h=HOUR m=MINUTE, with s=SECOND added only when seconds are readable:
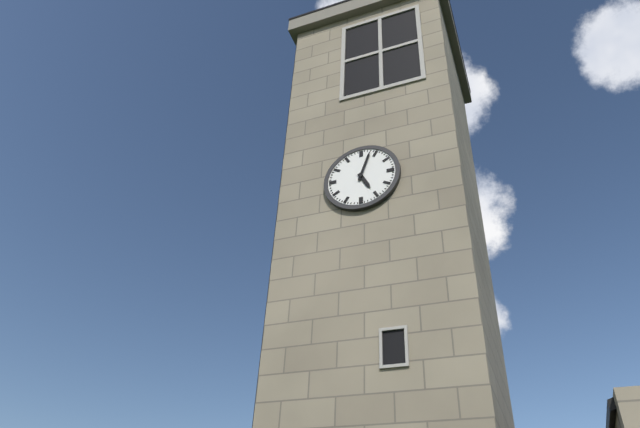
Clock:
h=5 m=3
